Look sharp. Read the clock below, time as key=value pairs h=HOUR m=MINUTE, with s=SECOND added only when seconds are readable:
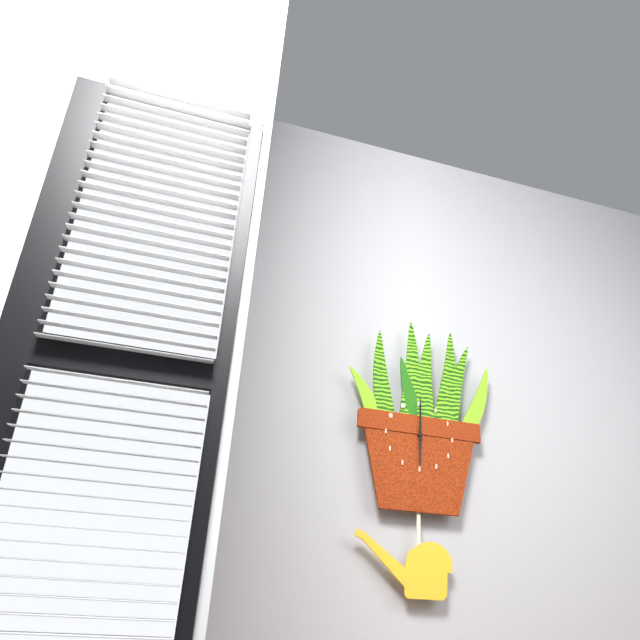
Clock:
h=6 m=0
